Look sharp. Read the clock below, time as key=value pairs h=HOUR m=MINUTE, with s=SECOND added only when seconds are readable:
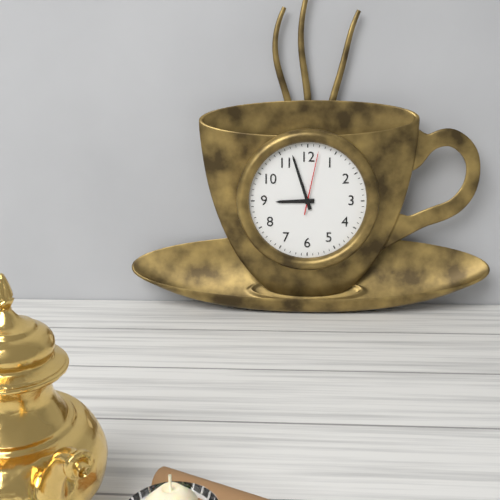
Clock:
h=8 m=57 s=2
